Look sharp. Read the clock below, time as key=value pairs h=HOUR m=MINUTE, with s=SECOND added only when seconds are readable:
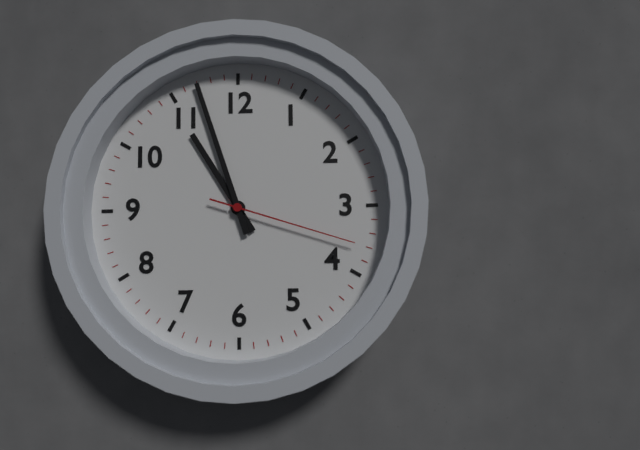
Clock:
h=10 m=57 s=18
